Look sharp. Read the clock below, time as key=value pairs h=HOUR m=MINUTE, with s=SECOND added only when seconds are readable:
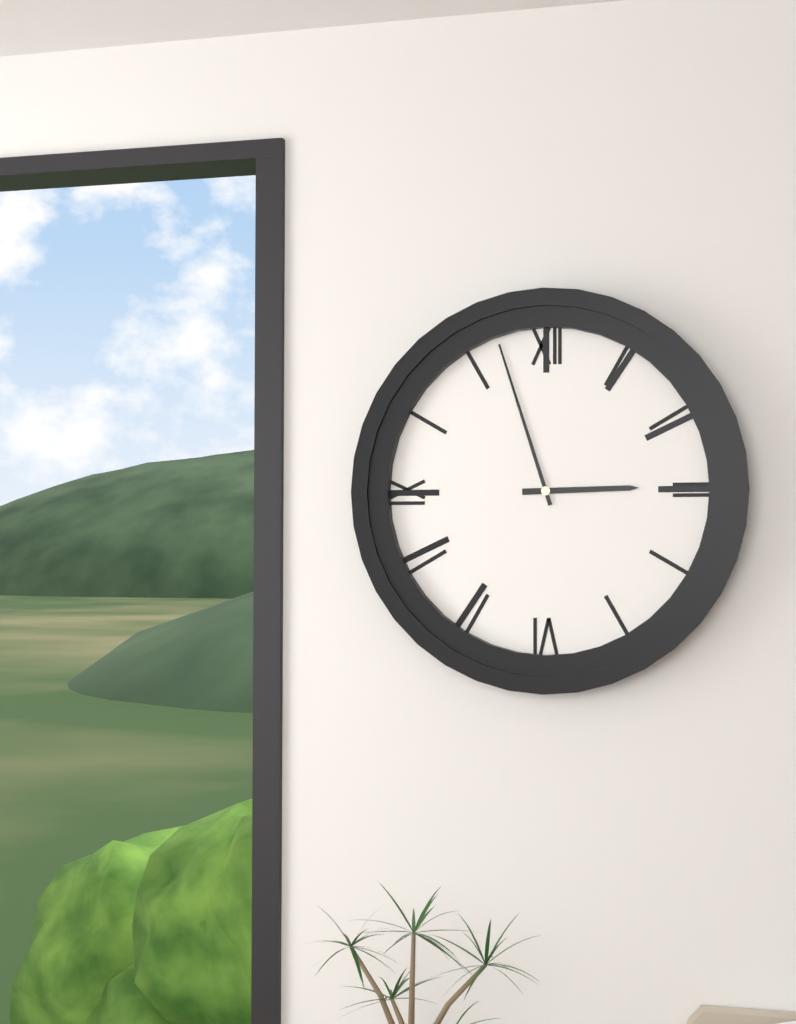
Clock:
h=2 m=57
